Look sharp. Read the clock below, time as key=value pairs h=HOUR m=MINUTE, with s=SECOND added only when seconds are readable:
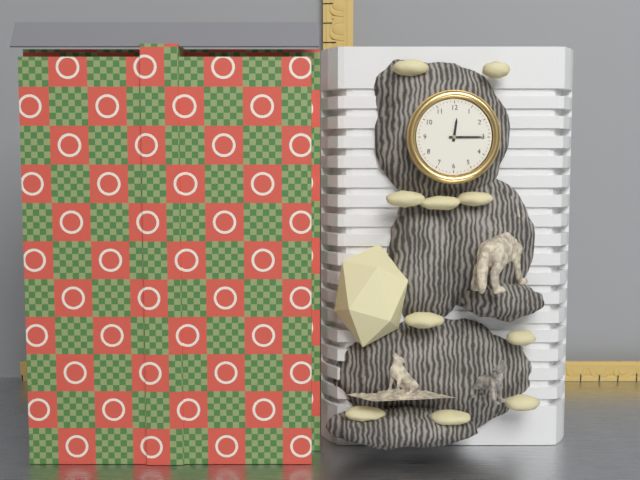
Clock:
h=12 m=15
